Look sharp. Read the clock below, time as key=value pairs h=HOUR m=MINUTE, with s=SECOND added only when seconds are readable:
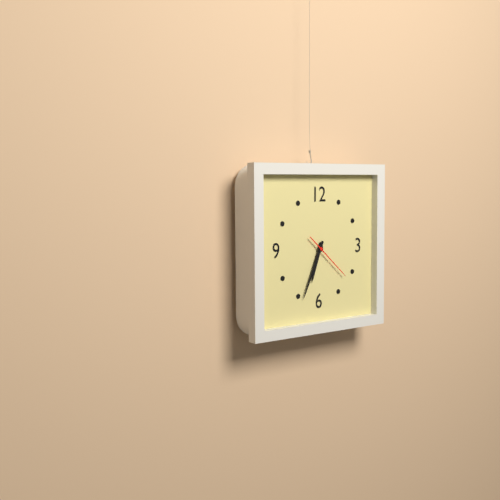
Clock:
h=6 m=34
